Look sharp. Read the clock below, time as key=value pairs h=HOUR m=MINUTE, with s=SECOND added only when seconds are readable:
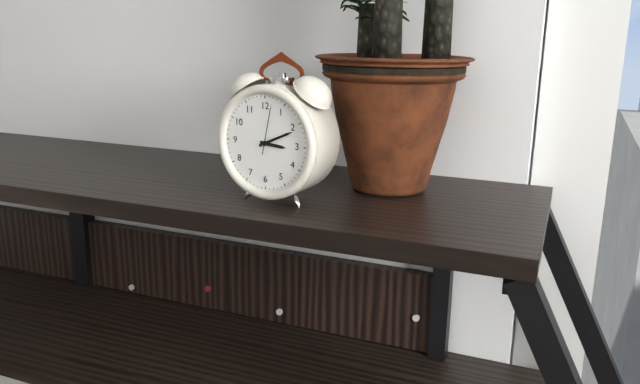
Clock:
h=3 m=11 s=2
